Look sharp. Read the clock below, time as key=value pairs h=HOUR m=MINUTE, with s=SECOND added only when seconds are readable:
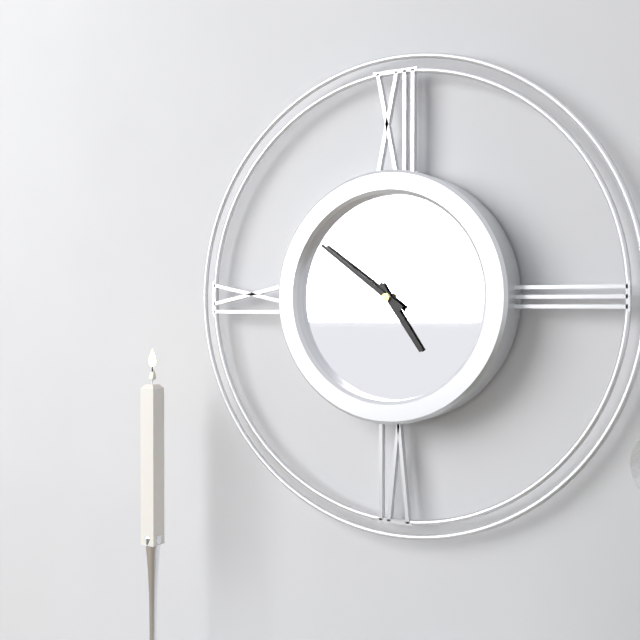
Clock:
h=4 m=51
